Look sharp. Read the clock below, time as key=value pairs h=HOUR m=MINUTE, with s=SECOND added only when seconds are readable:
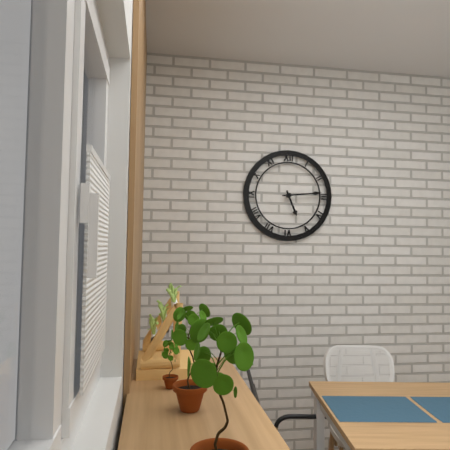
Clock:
h=5 m=14
